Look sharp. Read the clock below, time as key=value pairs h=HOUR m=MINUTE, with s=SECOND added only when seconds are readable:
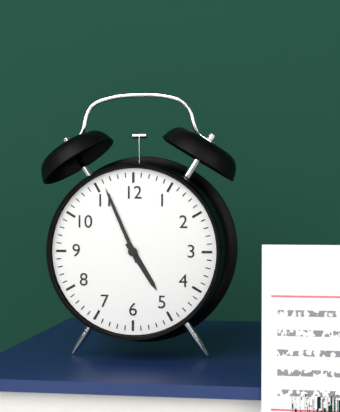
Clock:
h=4 m=56
